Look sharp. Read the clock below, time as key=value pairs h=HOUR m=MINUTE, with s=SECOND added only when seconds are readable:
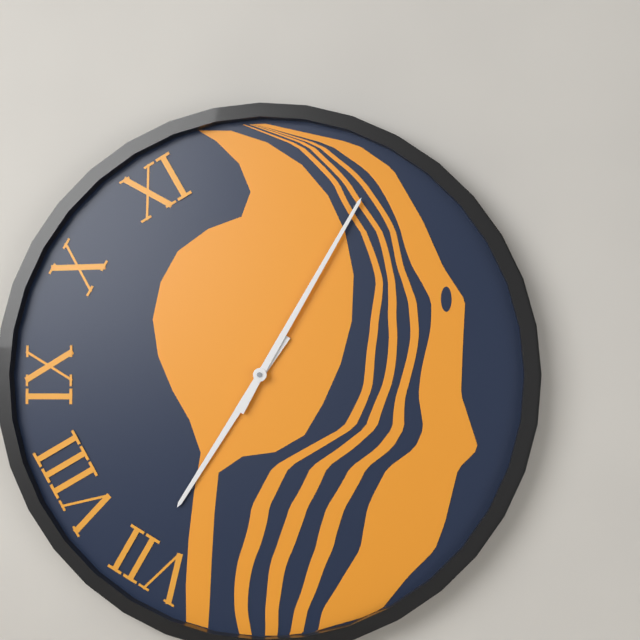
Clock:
h=7 m=5
